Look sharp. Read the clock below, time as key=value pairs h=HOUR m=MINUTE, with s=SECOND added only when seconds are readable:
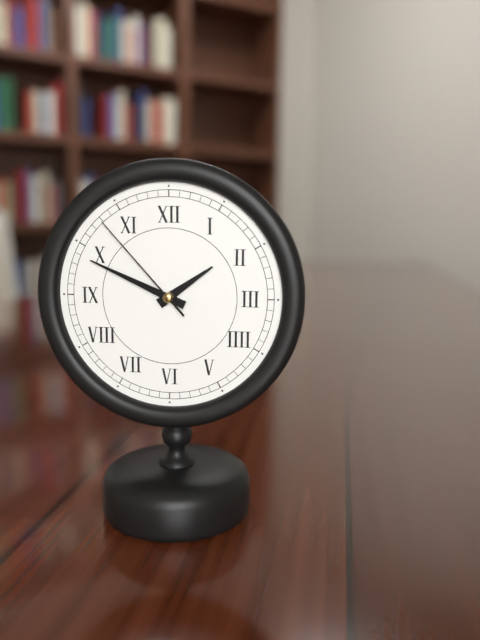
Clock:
h=1 m=49 s=53
